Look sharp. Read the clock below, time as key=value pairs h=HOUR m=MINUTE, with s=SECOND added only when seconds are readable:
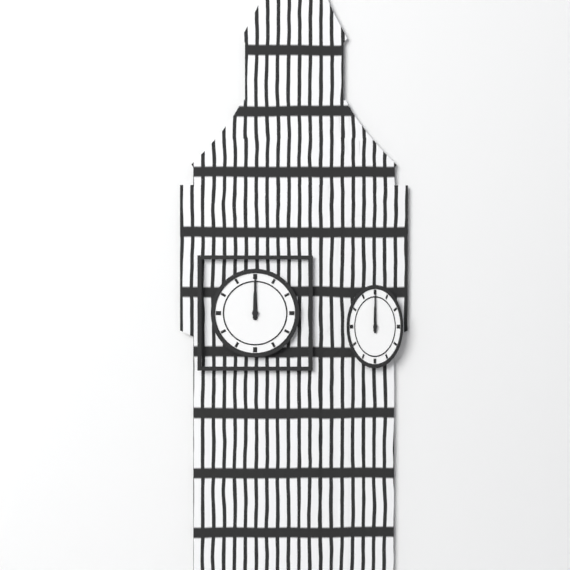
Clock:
h=12 m=0
